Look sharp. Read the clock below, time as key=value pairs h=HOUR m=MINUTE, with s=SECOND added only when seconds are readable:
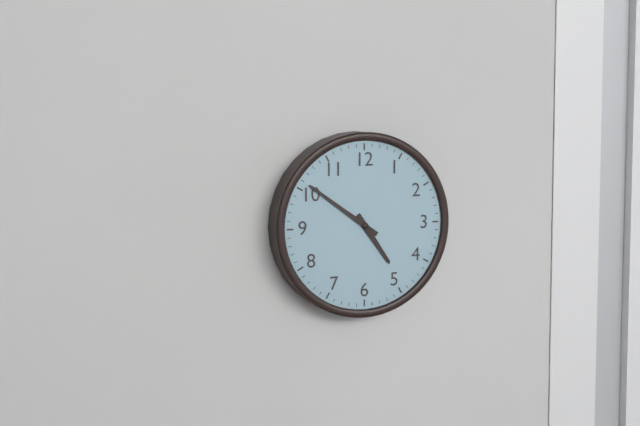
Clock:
h=4 m=51
